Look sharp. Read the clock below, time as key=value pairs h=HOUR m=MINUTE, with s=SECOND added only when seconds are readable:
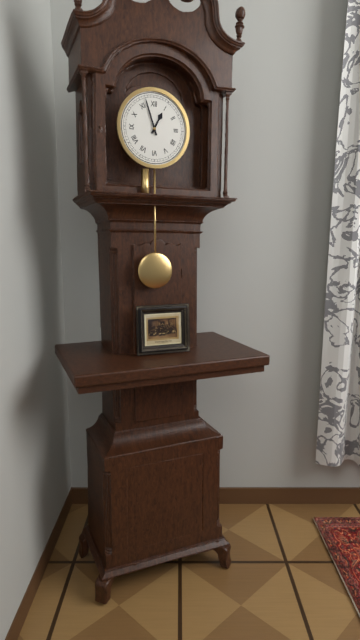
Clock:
h=12 m=57
